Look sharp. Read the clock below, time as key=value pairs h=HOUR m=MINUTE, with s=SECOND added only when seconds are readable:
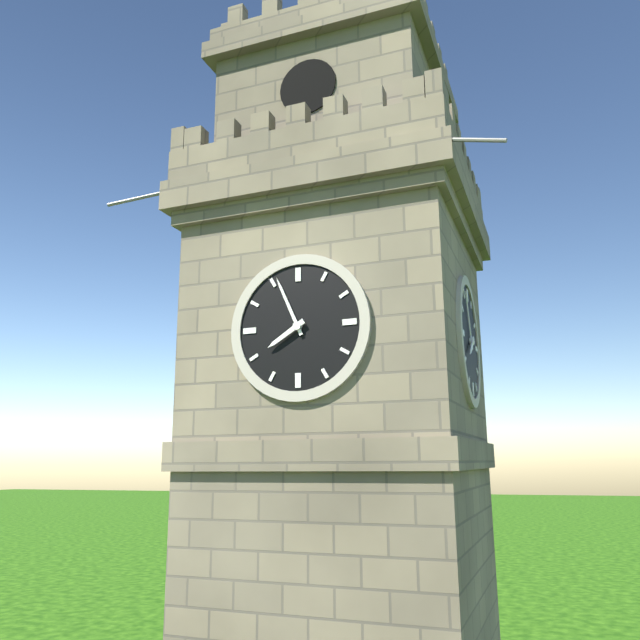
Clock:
h=7 m=56
